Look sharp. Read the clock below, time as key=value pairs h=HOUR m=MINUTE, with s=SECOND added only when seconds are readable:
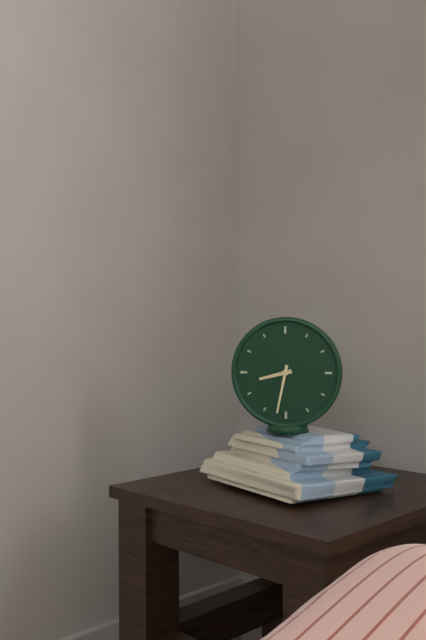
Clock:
h=8 m=32
